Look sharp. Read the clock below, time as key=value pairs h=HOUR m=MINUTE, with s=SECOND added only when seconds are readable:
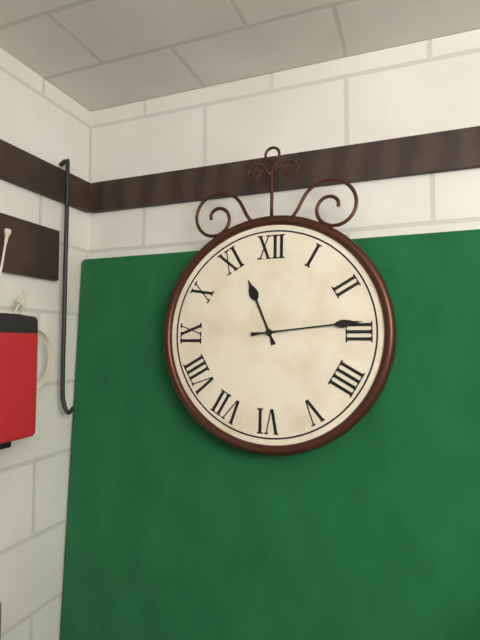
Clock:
h=11 m=14
